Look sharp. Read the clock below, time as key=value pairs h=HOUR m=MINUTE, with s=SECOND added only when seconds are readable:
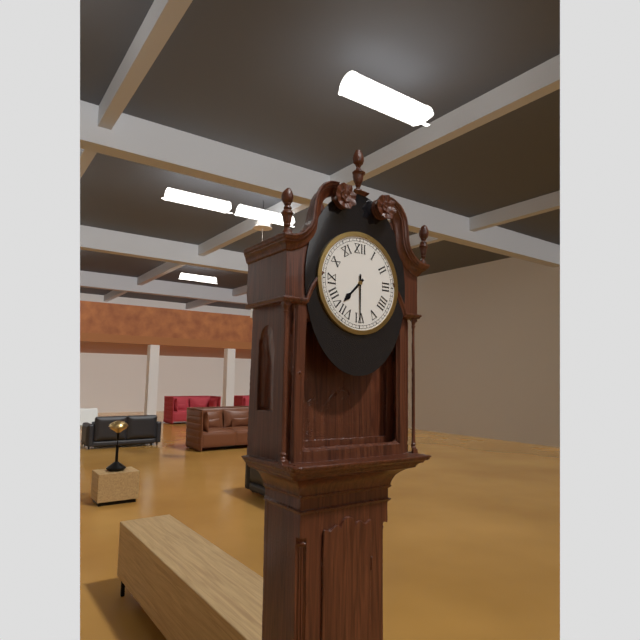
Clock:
h=7 m=30
